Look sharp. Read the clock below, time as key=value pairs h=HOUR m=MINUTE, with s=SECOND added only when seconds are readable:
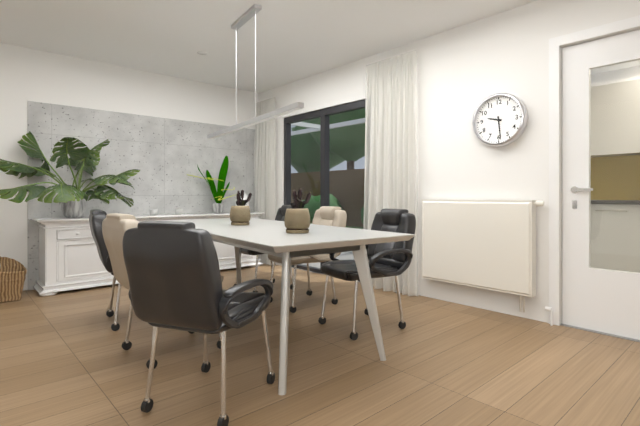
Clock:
h=9 m=29
